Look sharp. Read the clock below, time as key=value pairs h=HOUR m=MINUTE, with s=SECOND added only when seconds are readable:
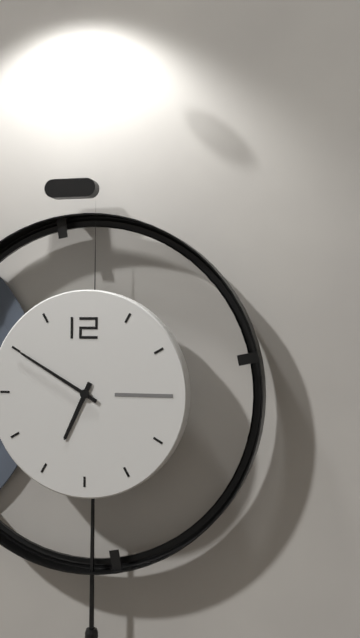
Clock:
h=6 m=50
